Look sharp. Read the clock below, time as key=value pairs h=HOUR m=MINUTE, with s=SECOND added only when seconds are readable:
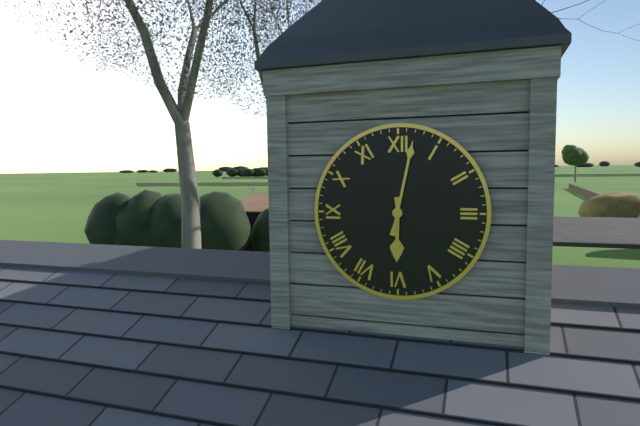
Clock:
h=6 m=2
